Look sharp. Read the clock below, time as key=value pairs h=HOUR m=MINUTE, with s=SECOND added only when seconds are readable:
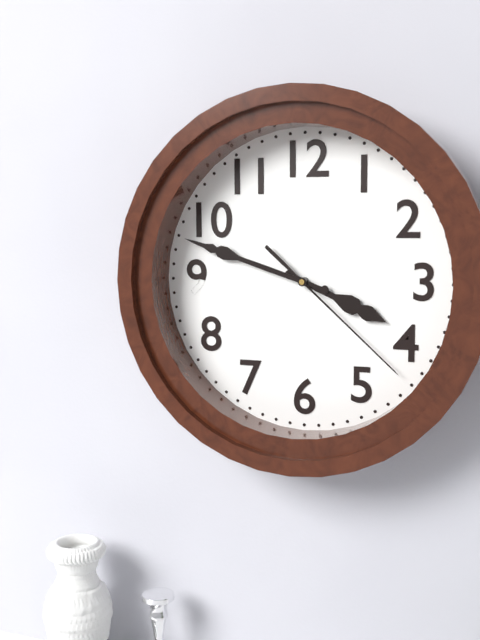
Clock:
h=3 m=48 s=22
